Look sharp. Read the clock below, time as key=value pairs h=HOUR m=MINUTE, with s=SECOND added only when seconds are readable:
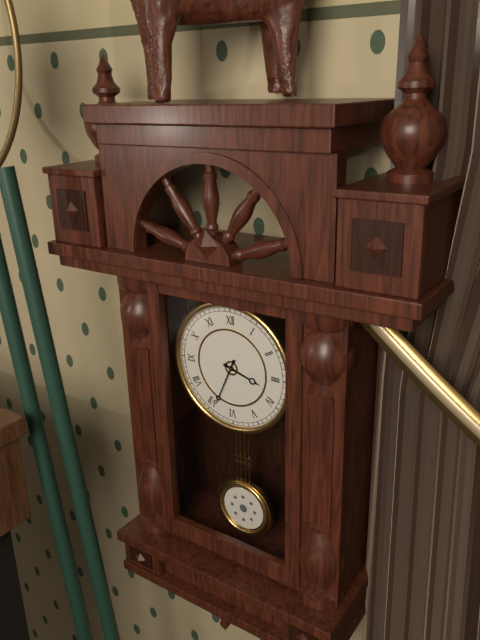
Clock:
h=3 m=34
